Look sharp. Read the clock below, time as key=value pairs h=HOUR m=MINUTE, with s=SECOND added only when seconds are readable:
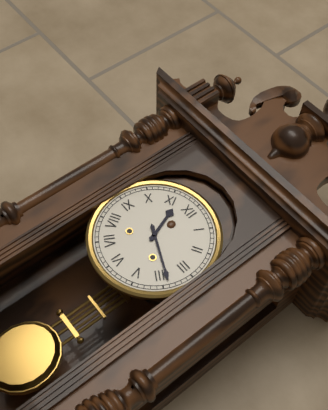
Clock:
h=11 m=19
